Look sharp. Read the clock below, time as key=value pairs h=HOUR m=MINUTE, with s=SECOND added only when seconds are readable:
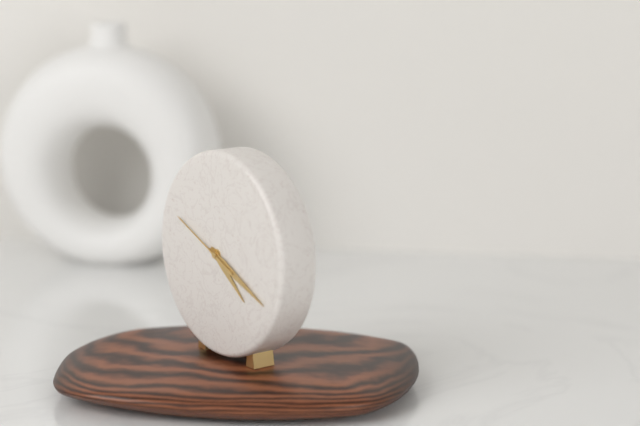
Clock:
h=4 m=19 s=49
